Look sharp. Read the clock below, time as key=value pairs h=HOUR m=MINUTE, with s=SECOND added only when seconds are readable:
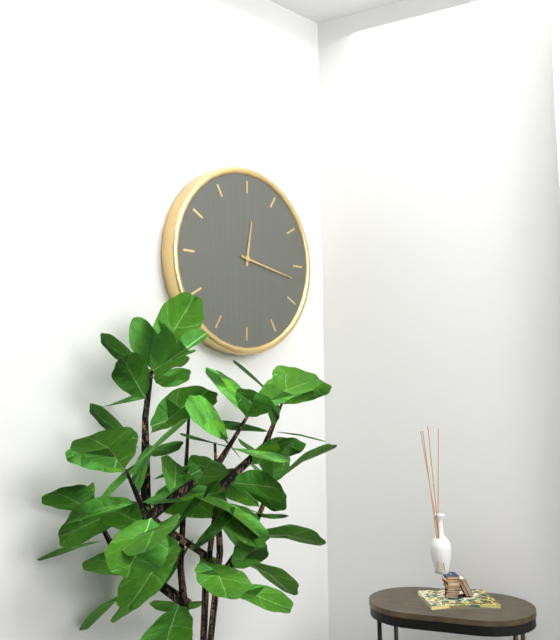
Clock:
h=12 m=17
